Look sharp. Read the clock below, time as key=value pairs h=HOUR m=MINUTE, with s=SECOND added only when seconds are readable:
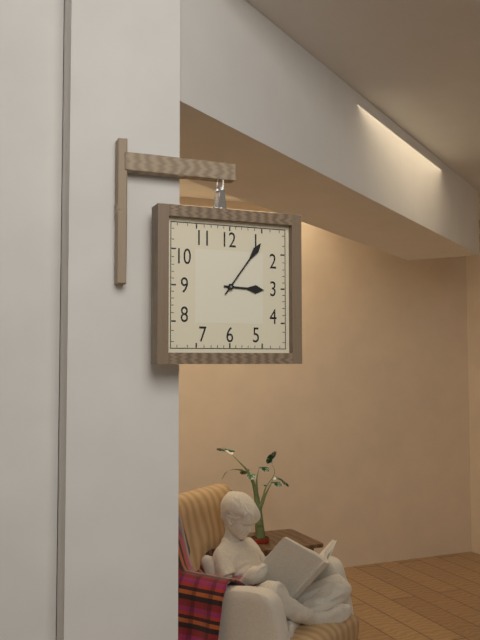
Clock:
h=3 m=6
